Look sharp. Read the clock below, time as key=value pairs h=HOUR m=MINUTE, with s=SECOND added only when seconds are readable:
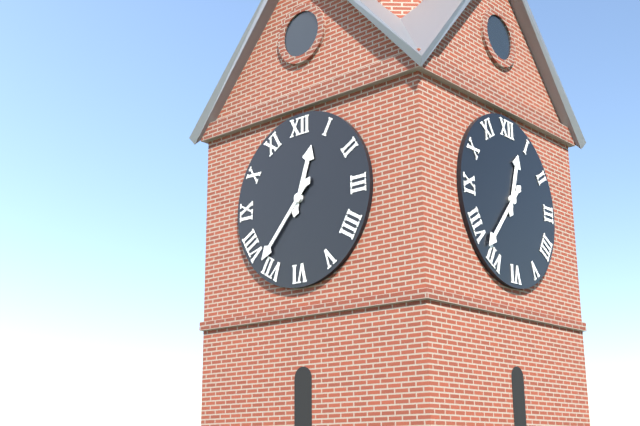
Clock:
h=12 m=37
